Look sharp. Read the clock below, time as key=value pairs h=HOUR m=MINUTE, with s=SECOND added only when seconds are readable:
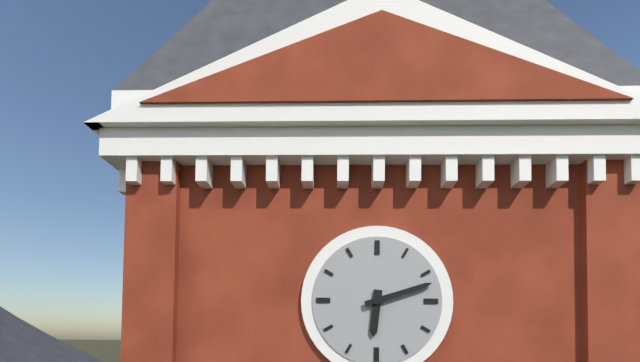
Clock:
h=6 m=12
